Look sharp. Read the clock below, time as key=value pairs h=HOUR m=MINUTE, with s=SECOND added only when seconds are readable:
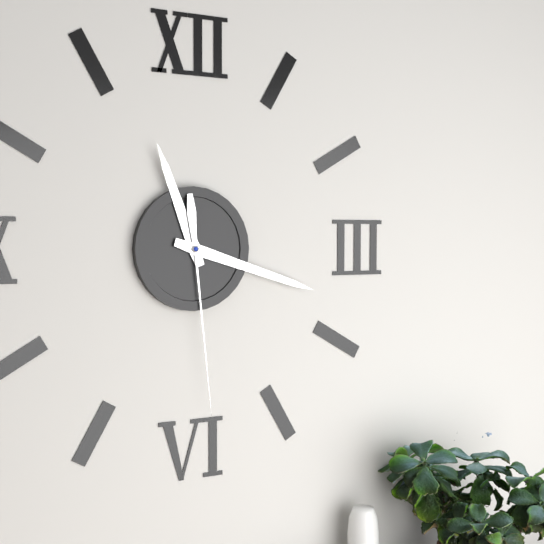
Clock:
h=11 m=18 s=29
